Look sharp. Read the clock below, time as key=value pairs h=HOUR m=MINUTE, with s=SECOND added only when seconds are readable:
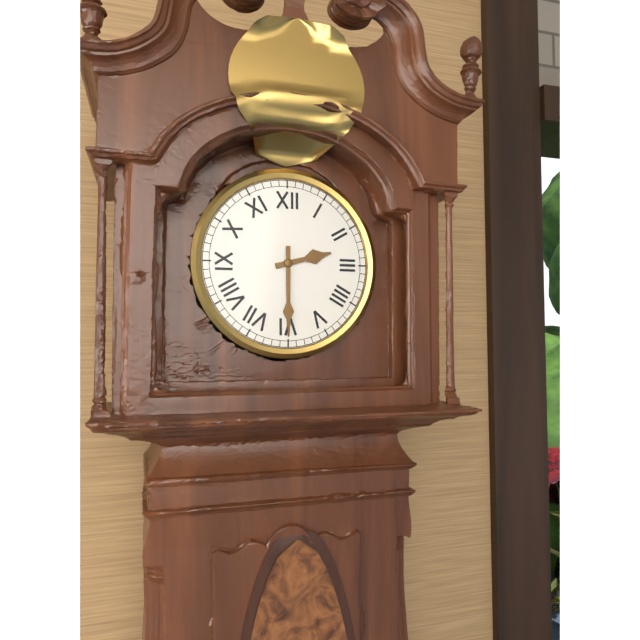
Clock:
h=2 m=30
